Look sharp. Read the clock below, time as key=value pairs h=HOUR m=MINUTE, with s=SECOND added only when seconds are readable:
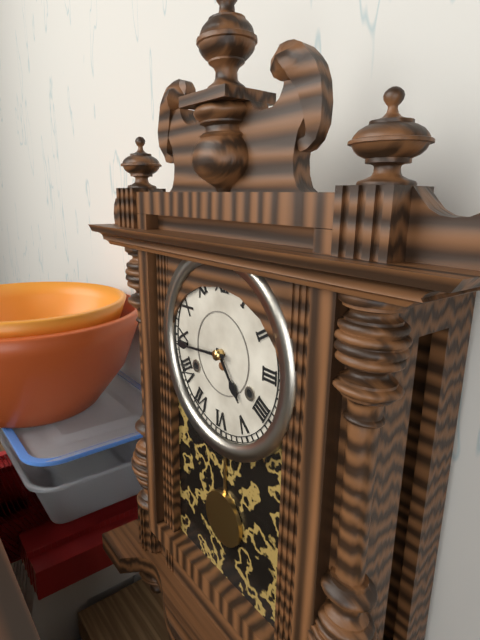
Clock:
h=4 m=44
